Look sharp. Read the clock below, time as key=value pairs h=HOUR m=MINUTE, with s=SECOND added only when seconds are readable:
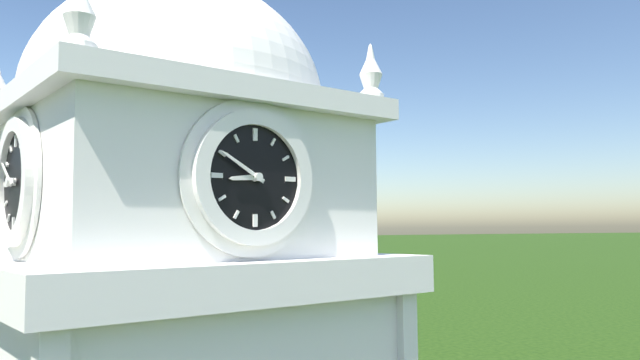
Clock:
h=8 m=50
